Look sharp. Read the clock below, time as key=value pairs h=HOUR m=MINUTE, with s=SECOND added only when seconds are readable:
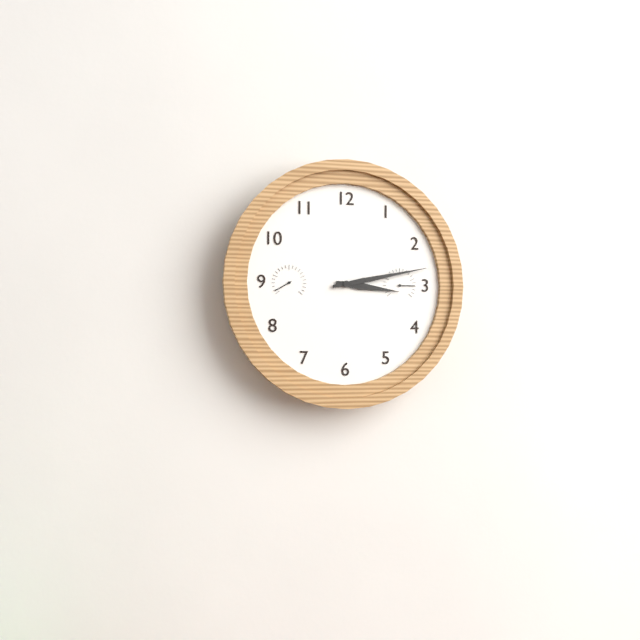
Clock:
h=3 m=13
